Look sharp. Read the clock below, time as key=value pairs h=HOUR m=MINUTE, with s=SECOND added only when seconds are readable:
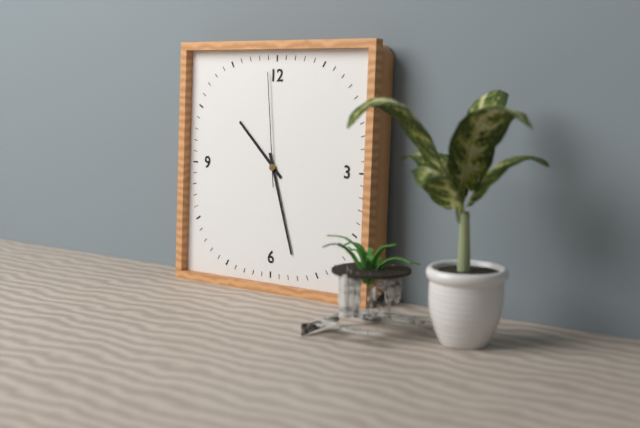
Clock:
h=10 m=27 s=59
